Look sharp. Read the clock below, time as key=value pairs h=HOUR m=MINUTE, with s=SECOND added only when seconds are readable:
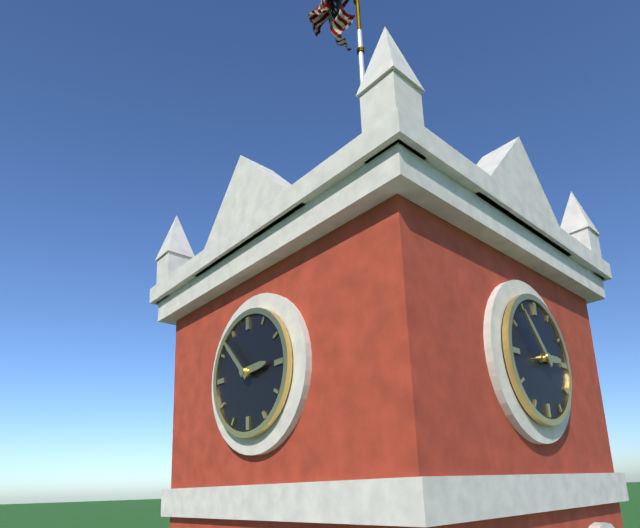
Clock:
h=2 m=53
